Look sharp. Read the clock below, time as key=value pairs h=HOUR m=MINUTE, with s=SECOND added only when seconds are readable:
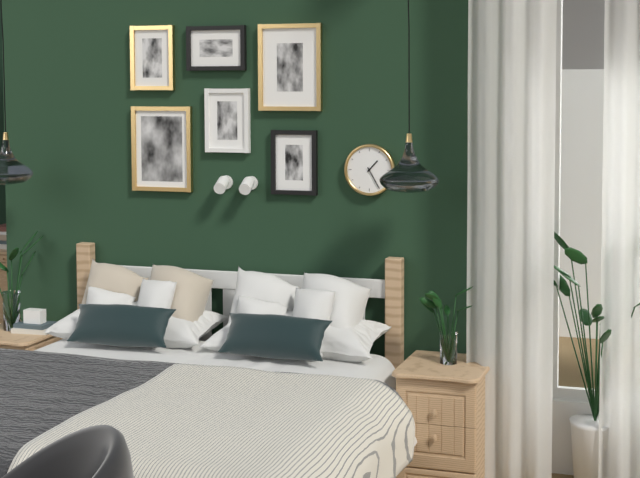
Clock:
h=1 m=25
